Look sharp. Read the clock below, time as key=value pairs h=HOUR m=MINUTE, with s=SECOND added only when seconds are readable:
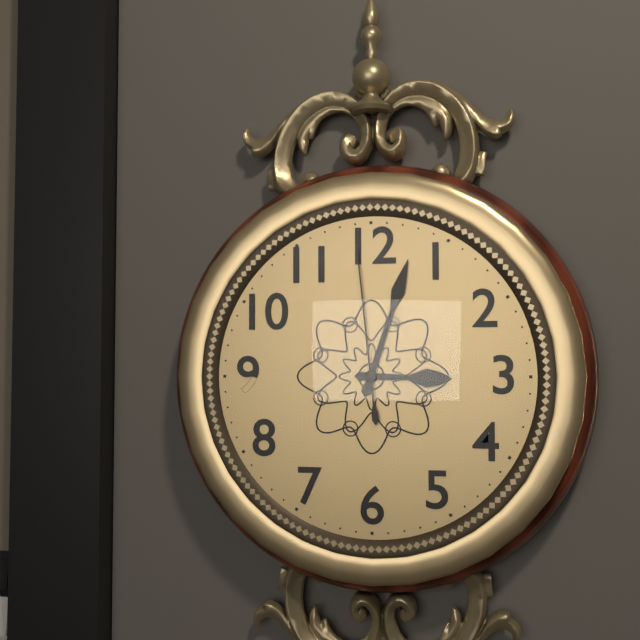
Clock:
h=3 m=3 s=59
